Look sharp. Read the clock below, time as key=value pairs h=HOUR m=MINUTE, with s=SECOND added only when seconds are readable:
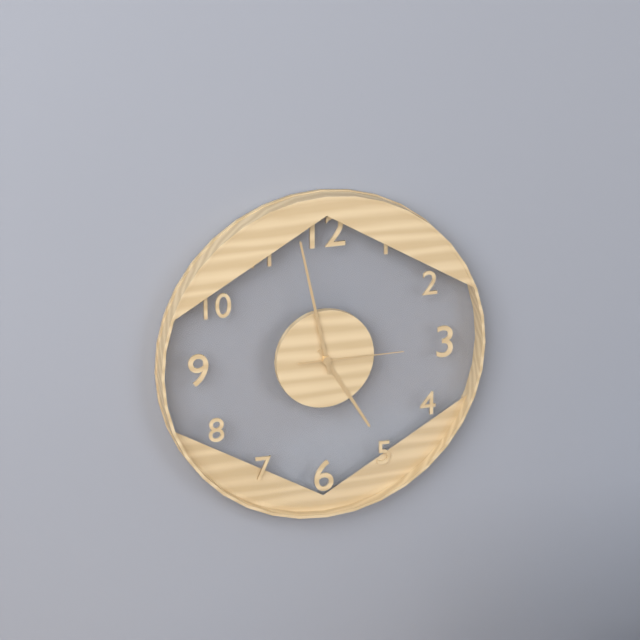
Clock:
h=4 m=58 s=15
